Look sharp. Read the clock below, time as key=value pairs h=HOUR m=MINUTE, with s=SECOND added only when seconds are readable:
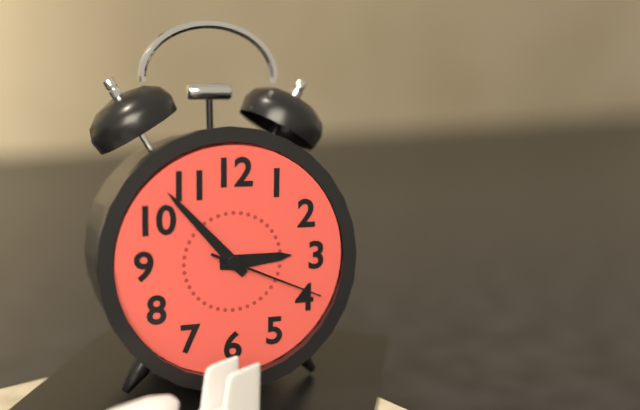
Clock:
h=2 m=53 s=19
